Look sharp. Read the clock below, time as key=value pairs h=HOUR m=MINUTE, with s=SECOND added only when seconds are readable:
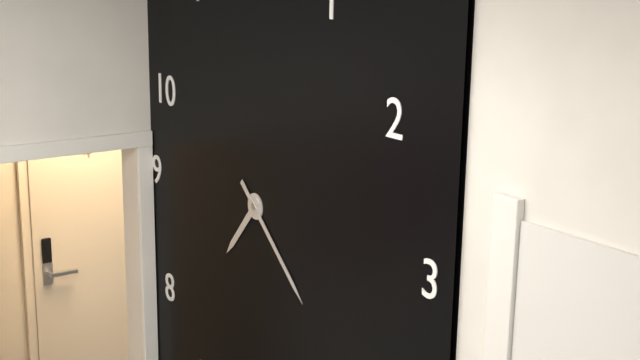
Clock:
h=7 m=22
